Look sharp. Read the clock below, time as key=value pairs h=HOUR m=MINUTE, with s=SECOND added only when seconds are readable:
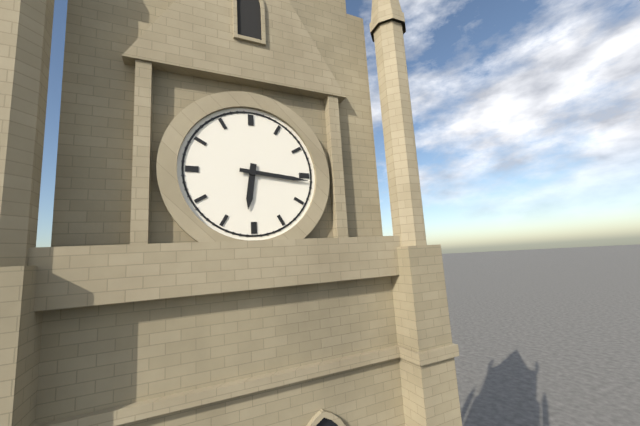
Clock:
h=6 m=16
